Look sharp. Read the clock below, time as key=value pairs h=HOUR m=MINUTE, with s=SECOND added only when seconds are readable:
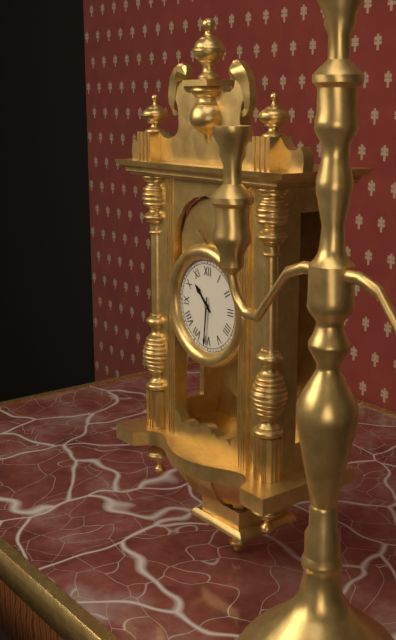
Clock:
h=10 m=31
